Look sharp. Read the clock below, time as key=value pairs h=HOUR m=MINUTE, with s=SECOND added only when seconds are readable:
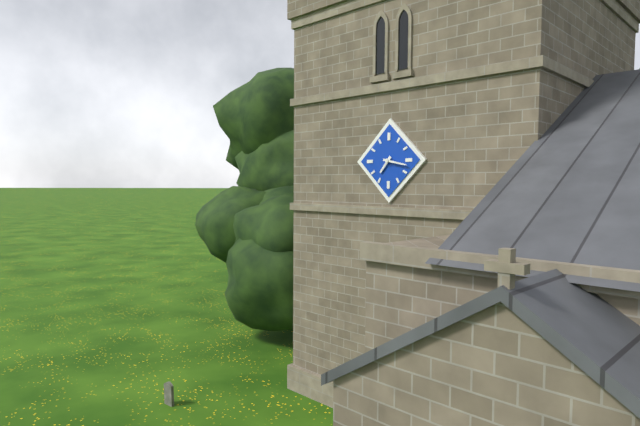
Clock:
h=7 m=17
